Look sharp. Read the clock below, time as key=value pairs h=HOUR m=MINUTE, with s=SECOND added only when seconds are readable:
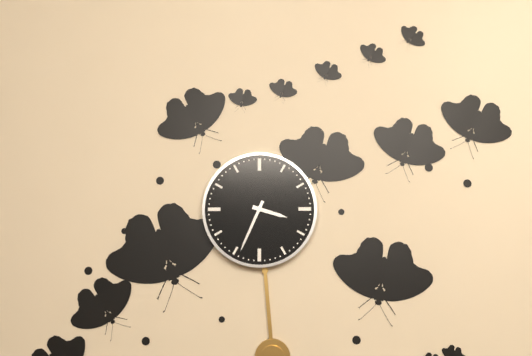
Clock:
h=3 m=34
